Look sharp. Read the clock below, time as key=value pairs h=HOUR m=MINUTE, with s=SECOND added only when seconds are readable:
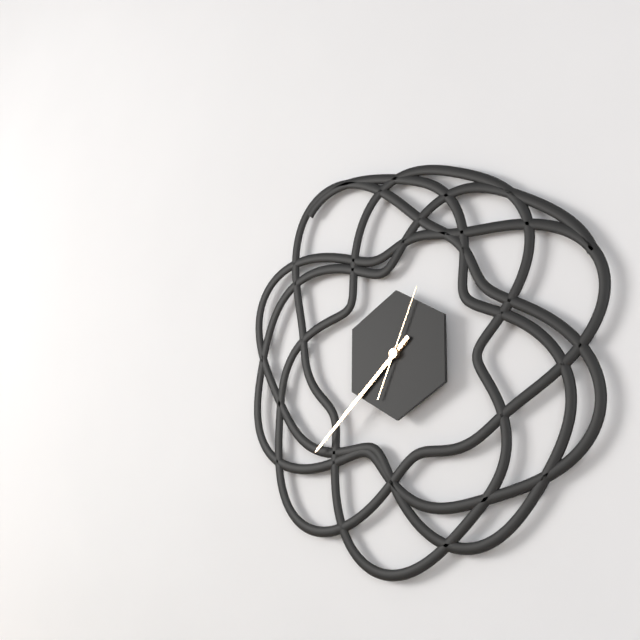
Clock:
h=7 m=38 s=4
